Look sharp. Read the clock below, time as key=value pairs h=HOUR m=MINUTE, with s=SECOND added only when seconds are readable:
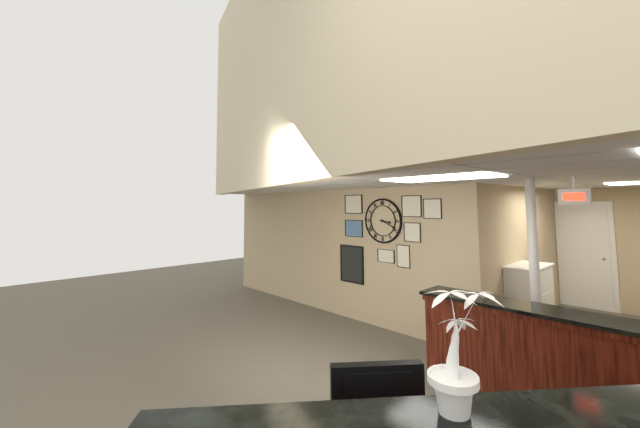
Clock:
h=3 m=19
